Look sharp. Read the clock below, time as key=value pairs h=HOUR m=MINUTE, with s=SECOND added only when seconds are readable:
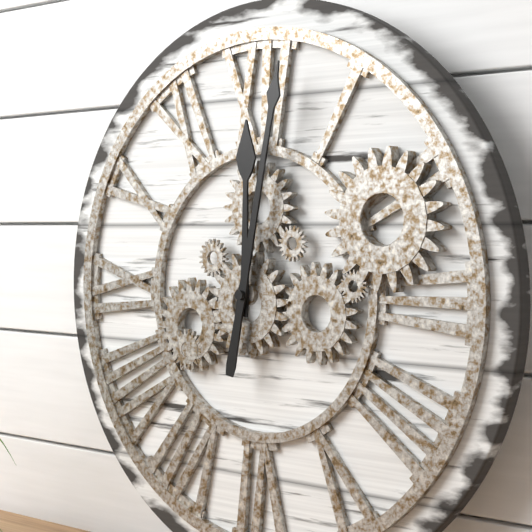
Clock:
h=12 m=2
